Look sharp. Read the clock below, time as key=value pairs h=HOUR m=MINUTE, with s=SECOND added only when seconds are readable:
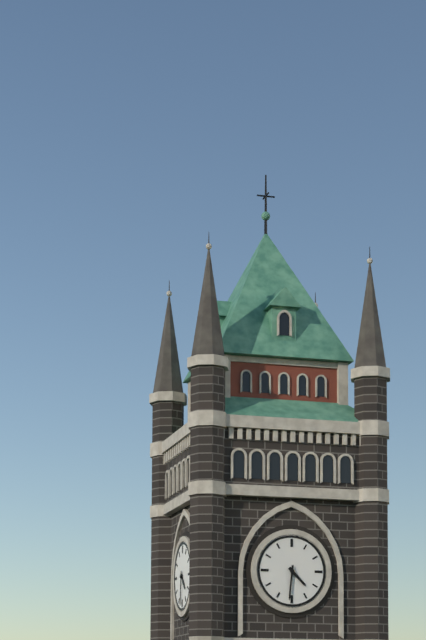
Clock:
h=4 m=31
